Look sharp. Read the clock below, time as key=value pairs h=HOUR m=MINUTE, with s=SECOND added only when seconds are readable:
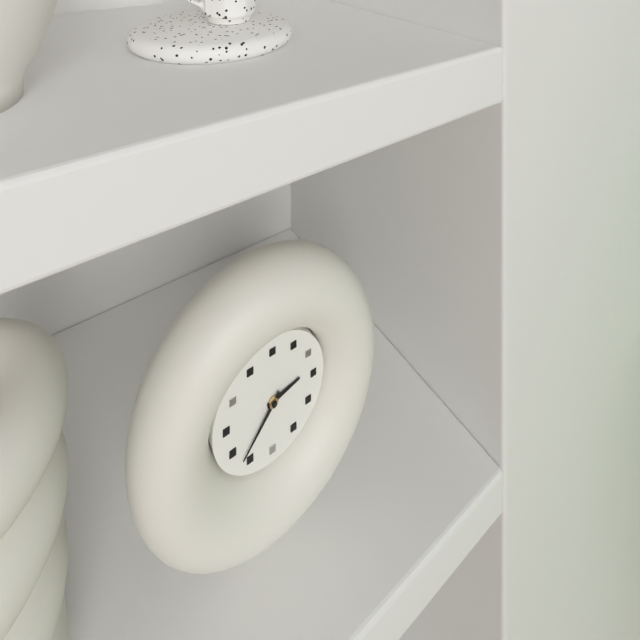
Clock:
h=2 m=37
